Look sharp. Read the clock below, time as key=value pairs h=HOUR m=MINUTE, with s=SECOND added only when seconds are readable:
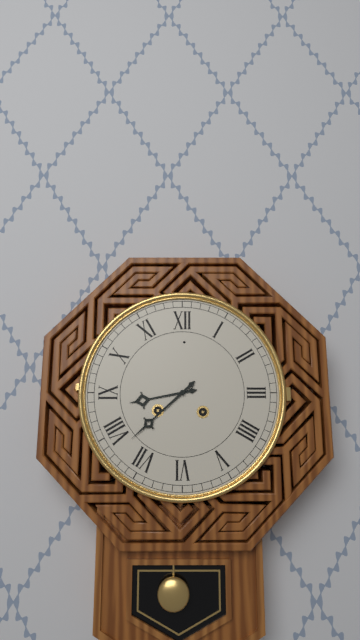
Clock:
h=8 m=38
